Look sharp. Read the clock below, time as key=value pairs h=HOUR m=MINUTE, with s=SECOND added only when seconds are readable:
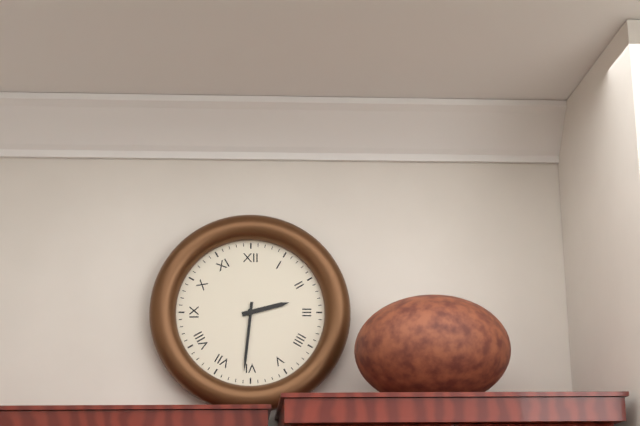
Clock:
h=2 m=31
